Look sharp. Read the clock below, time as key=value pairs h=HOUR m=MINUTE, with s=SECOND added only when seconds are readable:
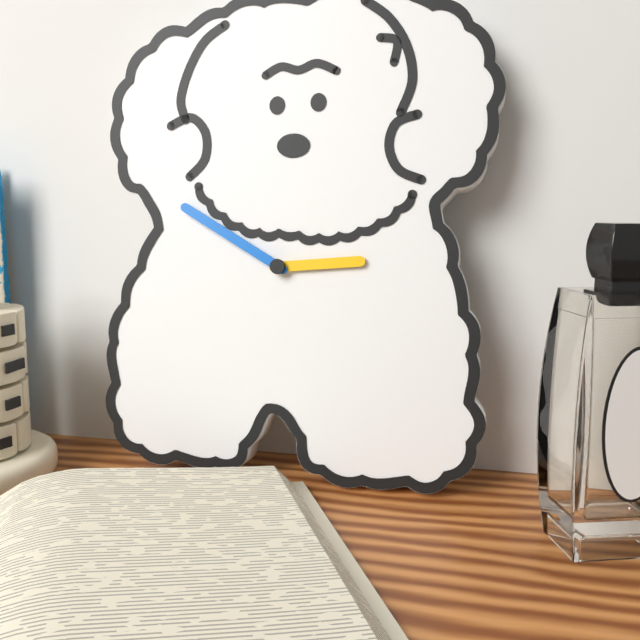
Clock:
h=2 m=50
